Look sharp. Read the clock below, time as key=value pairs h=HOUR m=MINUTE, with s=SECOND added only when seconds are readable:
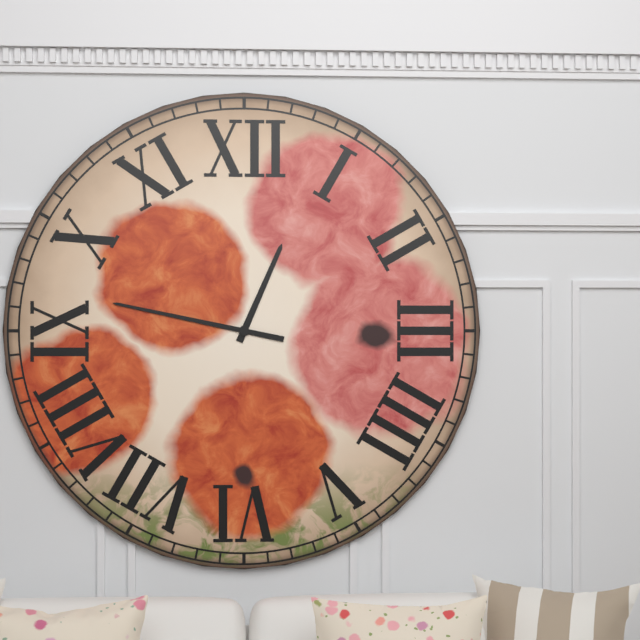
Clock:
h=12 m=47
